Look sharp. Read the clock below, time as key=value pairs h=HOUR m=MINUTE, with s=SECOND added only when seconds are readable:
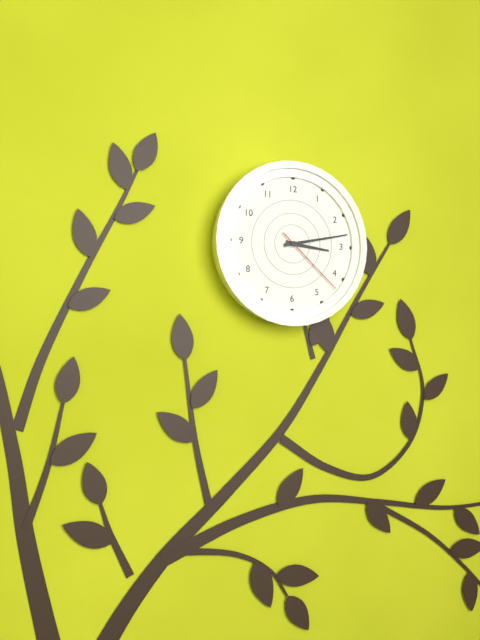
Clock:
h=3 m=13 s=22
